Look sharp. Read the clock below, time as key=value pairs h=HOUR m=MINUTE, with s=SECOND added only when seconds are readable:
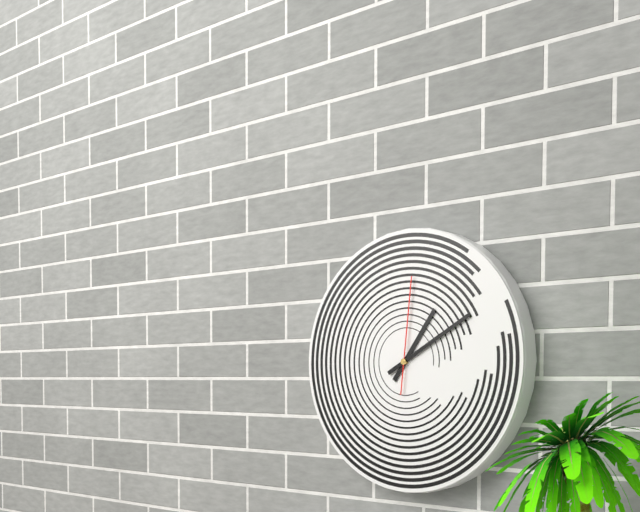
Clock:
h=1 m=10 s=1
